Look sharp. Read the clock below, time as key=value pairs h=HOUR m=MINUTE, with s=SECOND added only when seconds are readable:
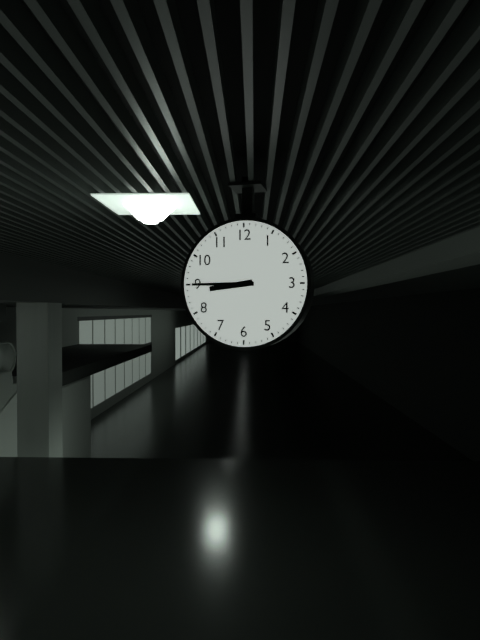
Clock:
h=8 m=45
